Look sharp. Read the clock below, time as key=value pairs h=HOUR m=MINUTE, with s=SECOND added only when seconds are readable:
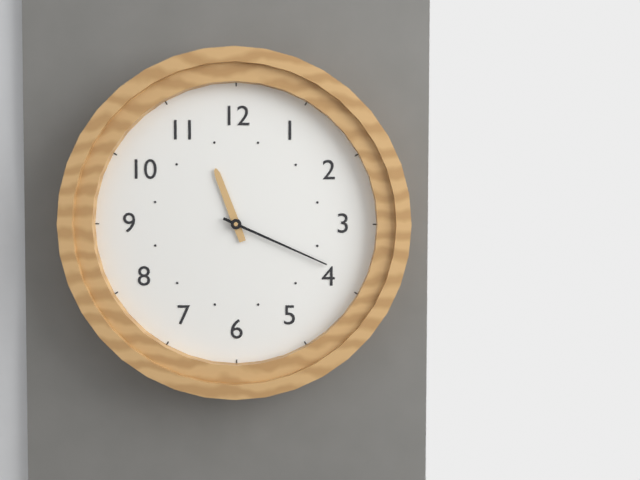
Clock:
h=11 m=19
